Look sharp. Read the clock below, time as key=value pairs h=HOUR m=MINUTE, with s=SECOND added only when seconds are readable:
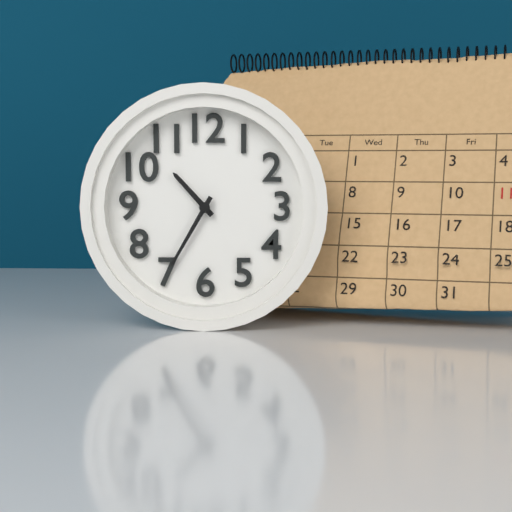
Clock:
h=10 m=35
